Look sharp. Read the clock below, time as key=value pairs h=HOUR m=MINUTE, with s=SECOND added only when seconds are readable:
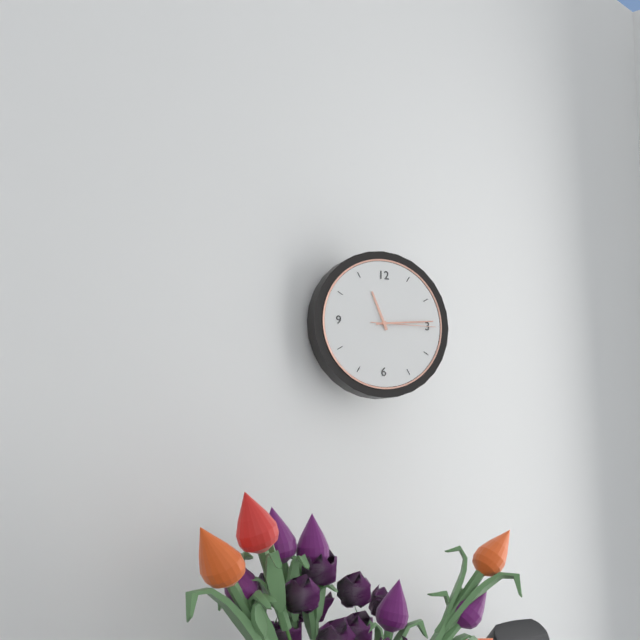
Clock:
h=11 m=14 s=15
